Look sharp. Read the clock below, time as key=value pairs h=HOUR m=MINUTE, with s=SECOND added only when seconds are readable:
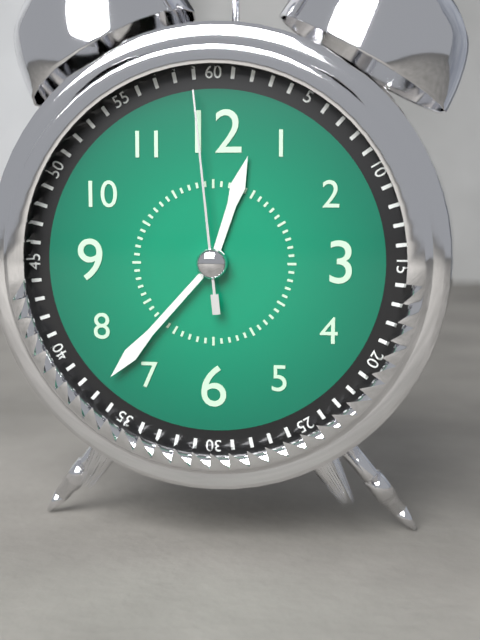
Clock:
h=12 m=37 s=59
